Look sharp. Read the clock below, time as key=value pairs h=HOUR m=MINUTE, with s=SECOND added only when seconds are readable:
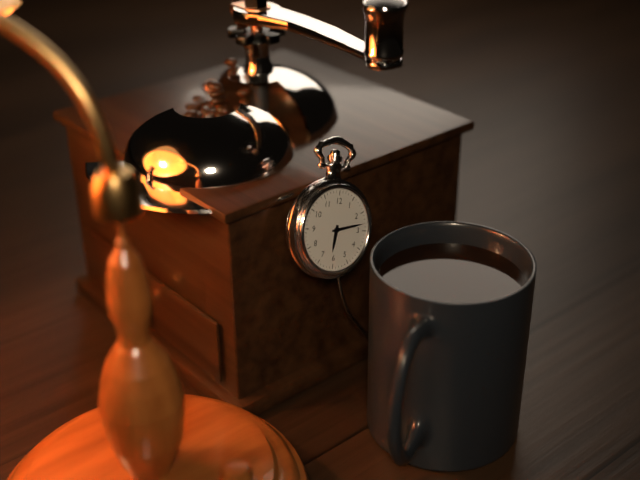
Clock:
h=6 m=13
